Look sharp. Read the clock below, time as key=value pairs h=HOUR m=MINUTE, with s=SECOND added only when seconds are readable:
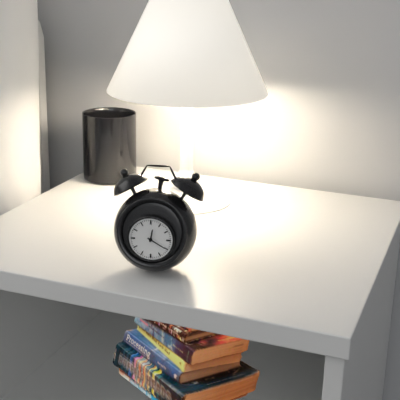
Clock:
h=12 m=20
